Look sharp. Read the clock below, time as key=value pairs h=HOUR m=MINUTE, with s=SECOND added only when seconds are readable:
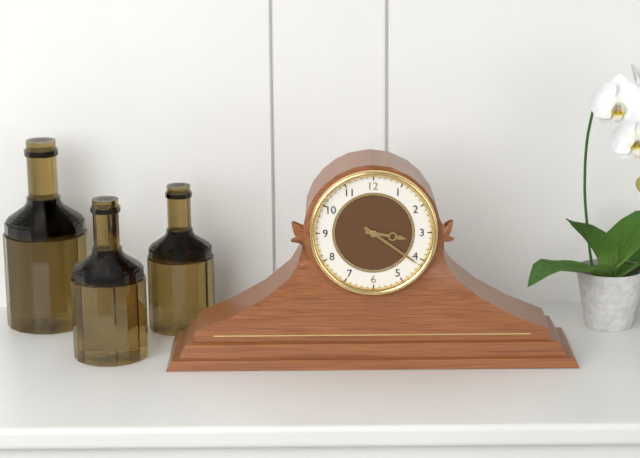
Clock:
h=3 m=21
